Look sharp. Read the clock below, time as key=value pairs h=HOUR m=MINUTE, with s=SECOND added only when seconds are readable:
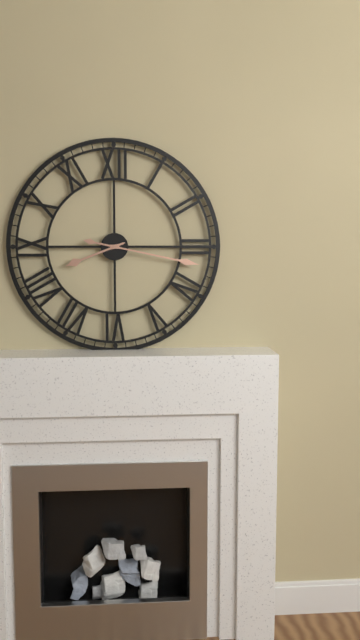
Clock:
h=8 m=17
